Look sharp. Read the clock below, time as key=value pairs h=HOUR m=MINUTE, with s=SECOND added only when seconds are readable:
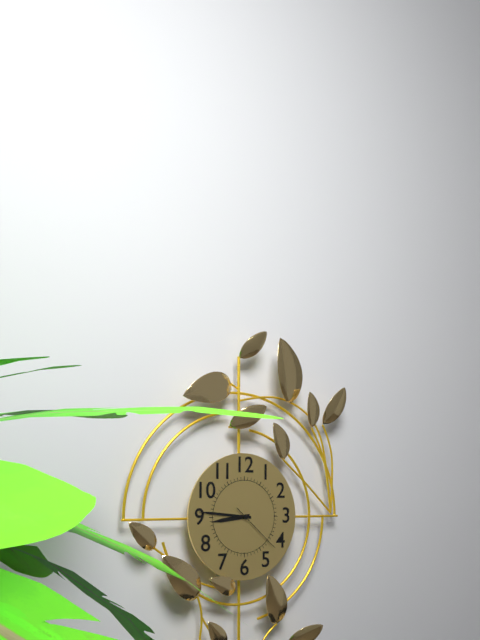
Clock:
h=8 m=46 s=22
